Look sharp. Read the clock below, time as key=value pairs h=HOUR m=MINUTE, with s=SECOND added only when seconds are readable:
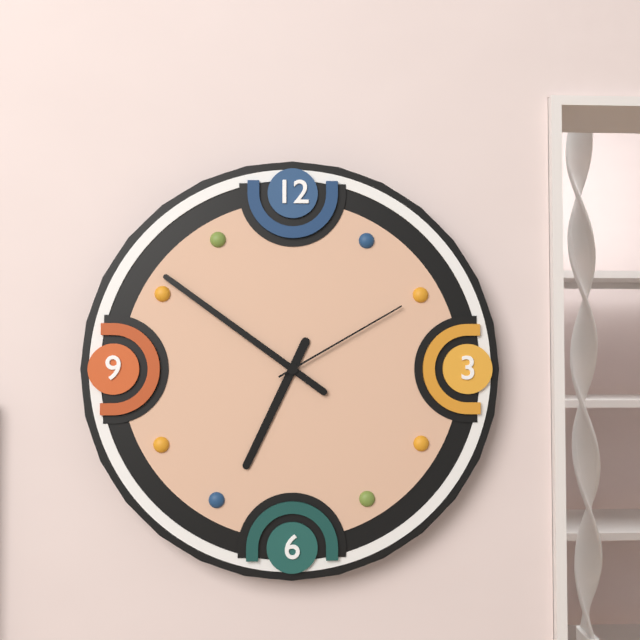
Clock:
h=6 m=51 s=10
